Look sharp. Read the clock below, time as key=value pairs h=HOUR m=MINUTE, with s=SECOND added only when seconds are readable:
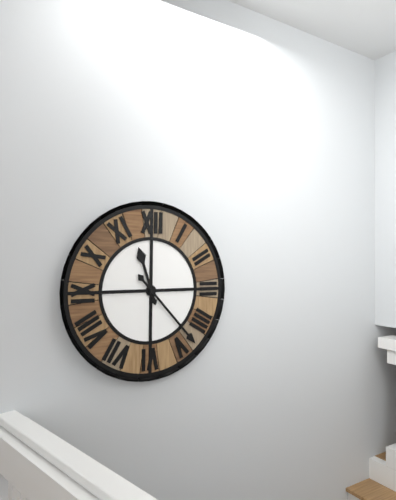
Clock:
h=11 m=23
